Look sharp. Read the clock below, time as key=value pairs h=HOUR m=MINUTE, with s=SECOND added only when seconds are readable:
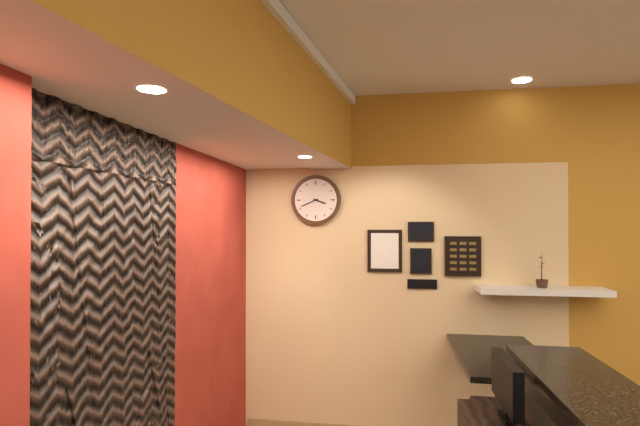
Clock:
h=3 m=41
